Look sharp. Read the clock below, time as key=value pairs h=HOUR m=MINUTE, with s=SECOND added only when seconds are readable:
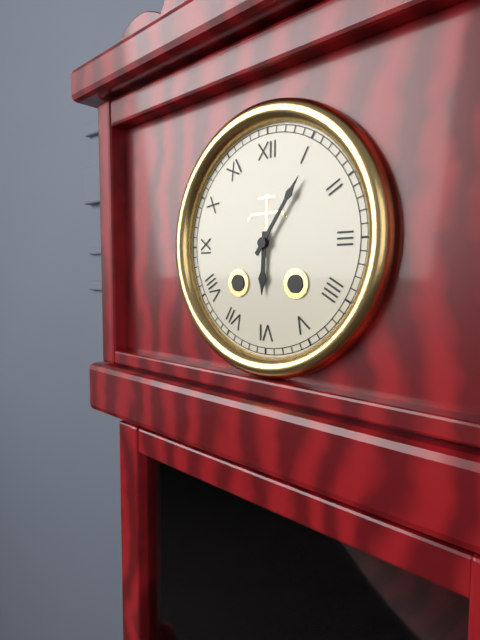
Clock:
h=6 m=6
